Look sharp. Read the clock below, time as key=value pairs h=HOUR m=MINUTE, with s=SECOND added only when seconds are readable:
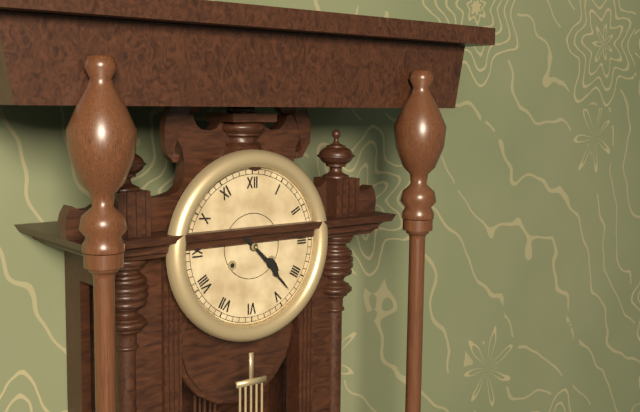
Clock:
h=4 m=23
